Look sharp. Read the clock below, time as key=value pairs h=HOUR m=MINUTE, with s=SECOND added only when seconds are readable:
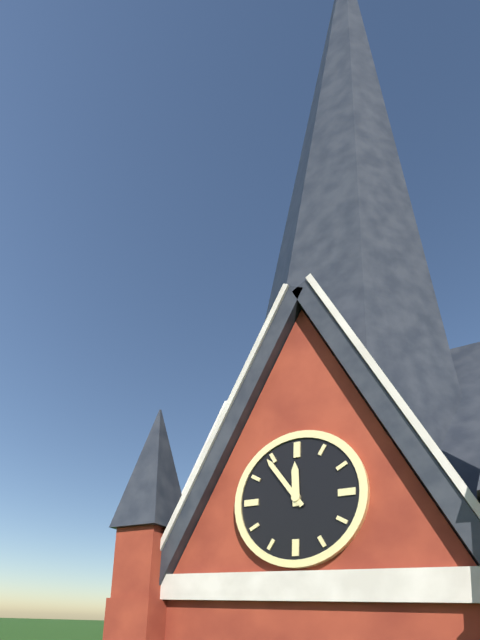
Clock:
h=11 m=54
